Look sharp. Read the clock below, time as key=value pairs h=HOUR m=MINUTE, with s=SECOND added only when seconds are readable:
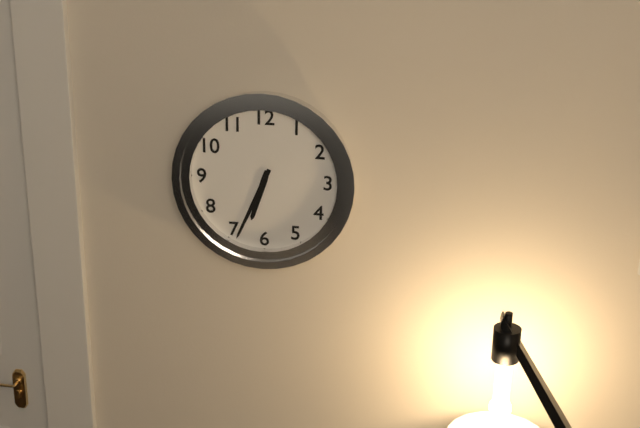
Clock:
h=6 m=34
